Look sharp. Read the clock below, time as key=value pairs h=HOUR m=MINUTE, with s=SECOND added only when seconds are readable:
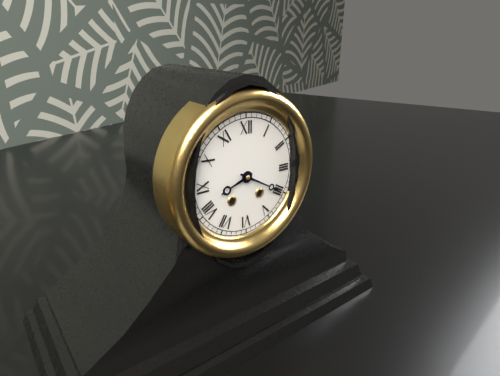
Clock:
h=8 m=20
